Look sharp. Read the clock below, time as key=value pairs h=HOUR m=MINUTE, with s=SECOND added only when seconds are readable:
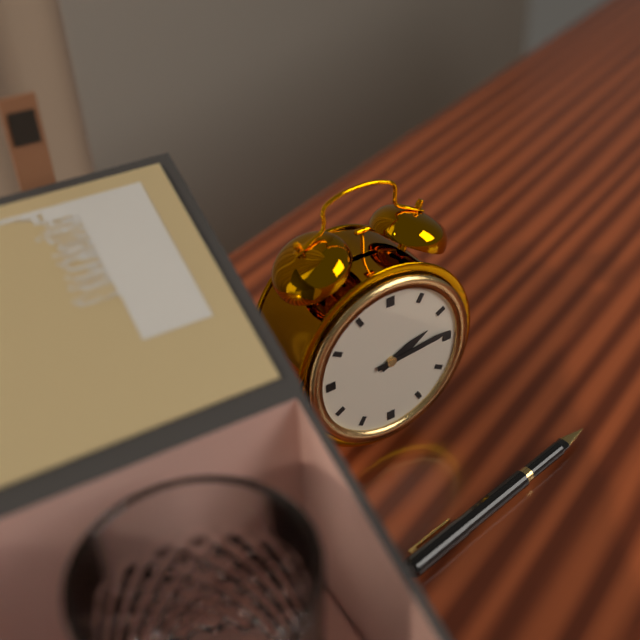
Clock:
h=2 m=14
